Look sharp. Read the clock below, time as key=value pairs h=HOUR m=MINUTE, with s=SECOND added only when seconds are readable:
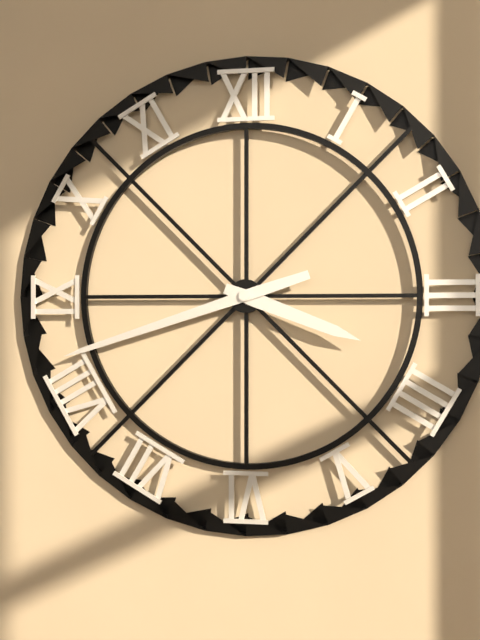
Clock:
h=3 m=42
